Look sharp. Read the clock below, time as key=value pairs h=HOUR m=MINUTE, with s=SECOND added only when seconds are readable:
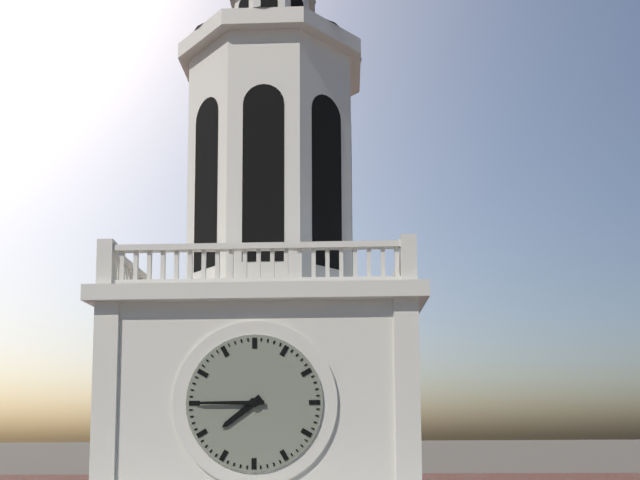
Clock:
h=7 m=45
